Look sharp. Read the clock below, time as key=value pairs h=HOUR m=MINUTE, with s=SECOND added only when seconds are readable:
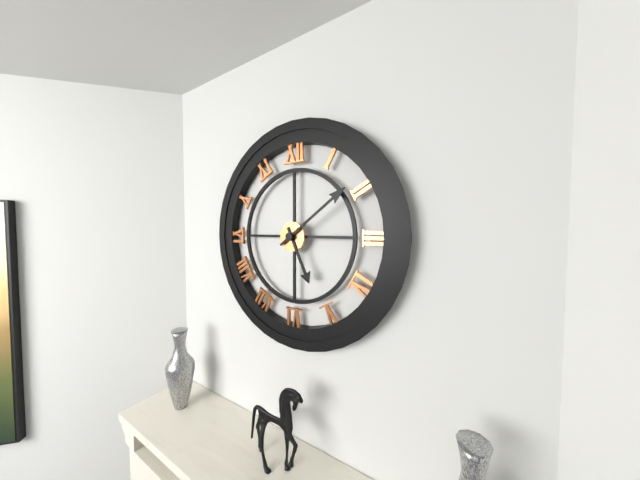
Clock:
h=5 m=9
